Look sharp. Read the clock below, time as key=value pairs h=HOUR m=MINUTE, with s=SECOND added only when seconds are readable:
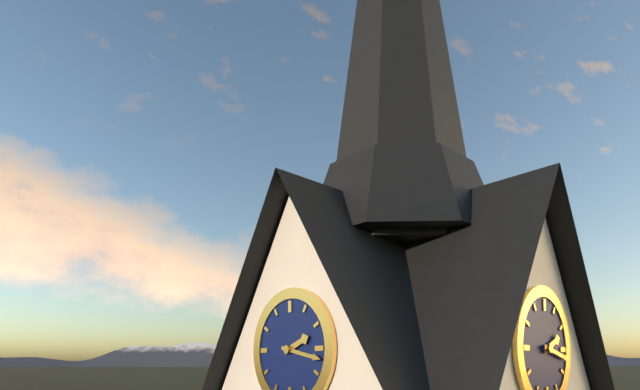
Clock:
h=2 m=17
